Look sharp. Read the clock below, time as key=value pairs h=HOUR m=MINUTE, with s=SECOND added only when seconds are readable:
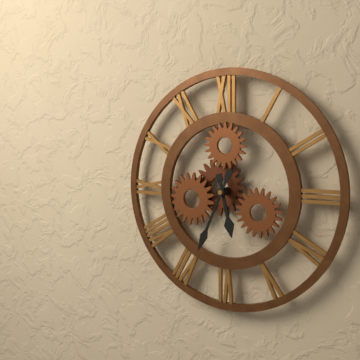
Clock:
h=5 m=34
